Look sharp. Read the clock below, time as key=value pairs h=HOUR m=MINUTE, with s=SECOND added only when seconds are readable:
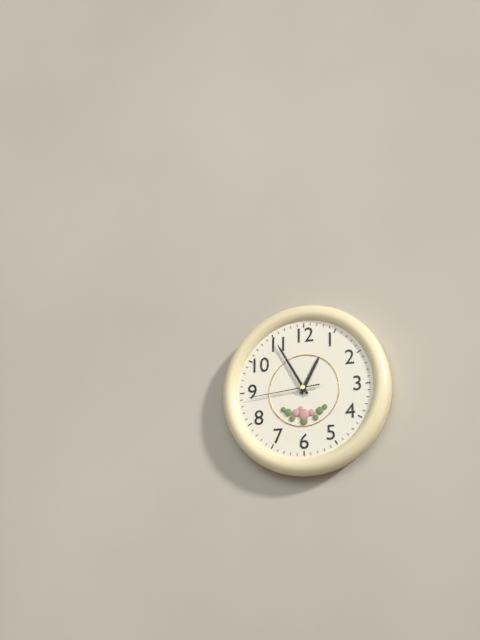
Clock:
h=12 m=55 s=44
